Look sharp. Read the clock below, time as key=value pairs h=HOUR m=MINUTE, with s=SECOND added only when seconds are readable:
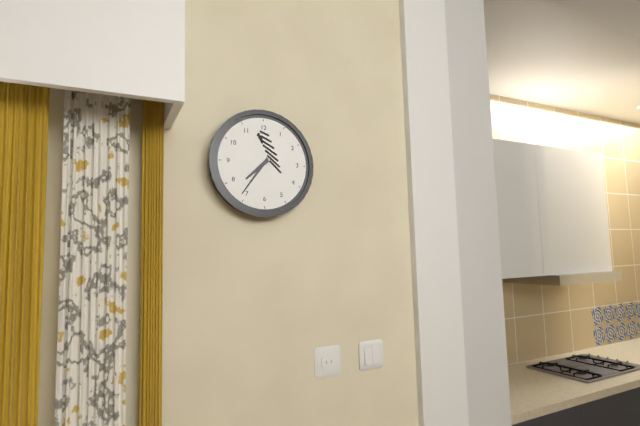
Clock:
h=7 m=36
